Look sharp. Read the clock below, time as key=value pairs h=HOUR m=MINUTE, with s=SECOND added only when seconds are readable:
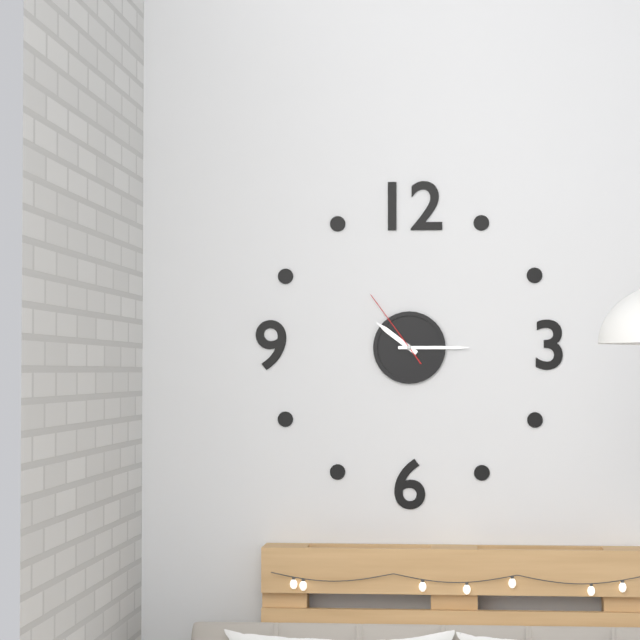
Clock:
h=10 m=15 s=54
